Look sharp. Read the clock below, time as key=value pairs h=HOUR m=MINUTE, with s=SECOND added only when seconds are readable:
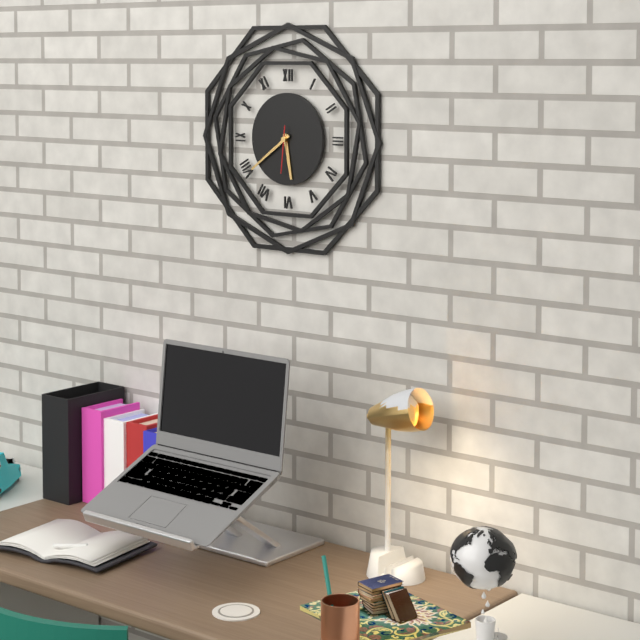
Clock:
h=5 m=39
